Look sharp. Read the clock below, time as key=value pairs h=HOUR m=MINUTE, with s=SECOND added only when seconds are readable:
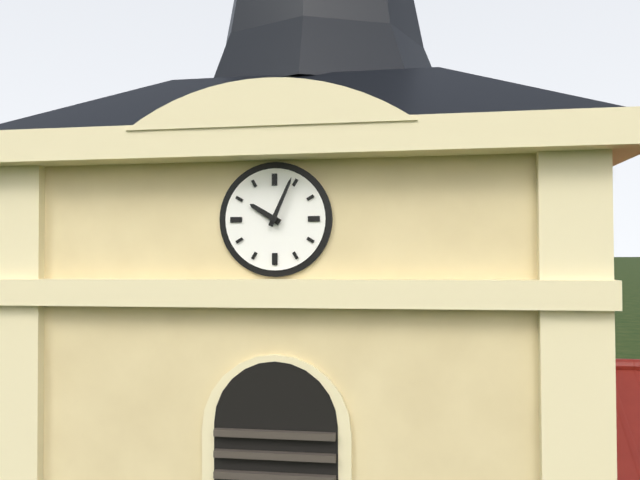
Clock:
h=10 m=4
